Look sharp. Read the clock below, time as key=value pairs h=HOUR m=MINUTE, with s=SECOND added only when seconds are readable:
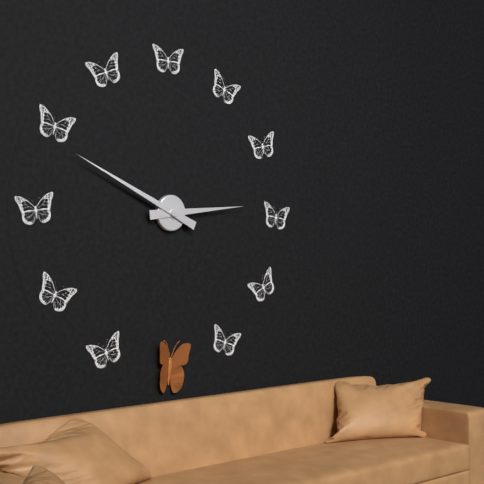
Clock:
h=2 m=49
